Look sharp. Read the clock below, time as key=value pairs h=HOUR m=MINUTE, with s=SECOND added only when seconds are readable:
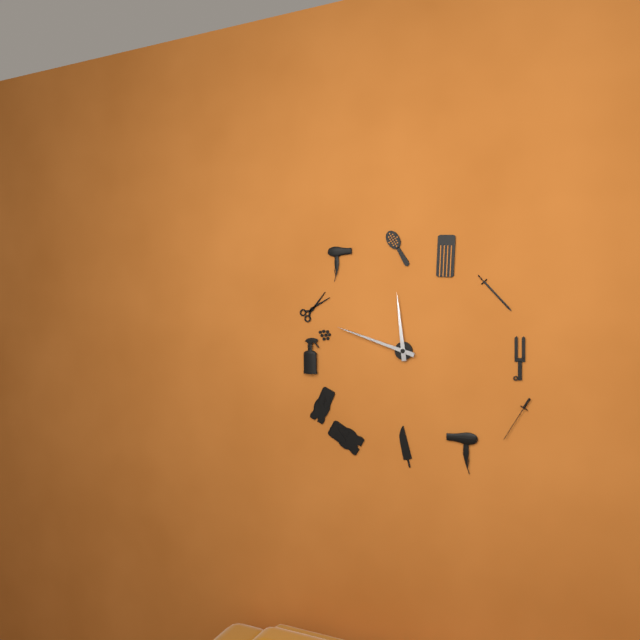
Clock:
h=11 m=48
